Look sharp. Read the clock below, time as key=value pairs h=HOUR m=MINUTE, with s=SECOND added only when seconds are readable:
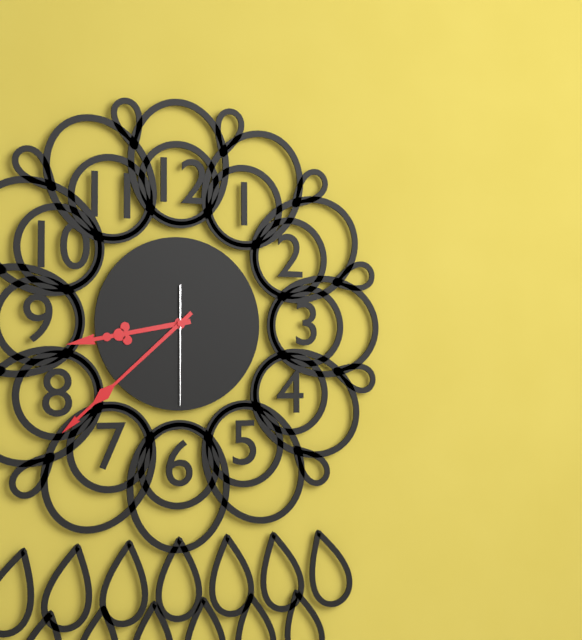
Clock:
h=8 m=38 s=30
